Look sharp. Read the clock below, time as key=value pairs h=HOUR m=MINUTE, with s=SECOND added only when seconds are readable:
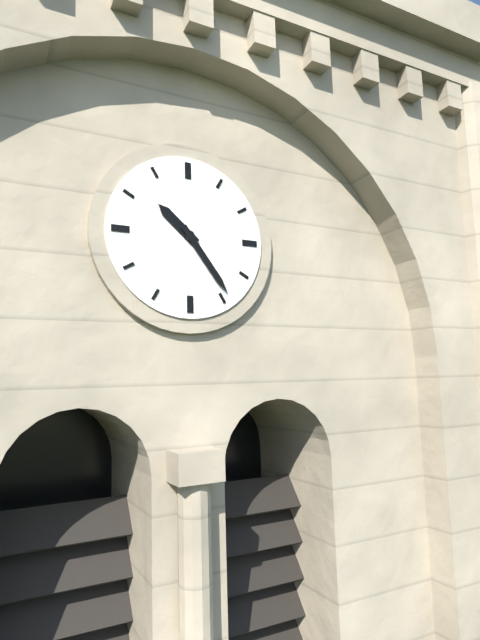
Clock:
h=10 m=24
